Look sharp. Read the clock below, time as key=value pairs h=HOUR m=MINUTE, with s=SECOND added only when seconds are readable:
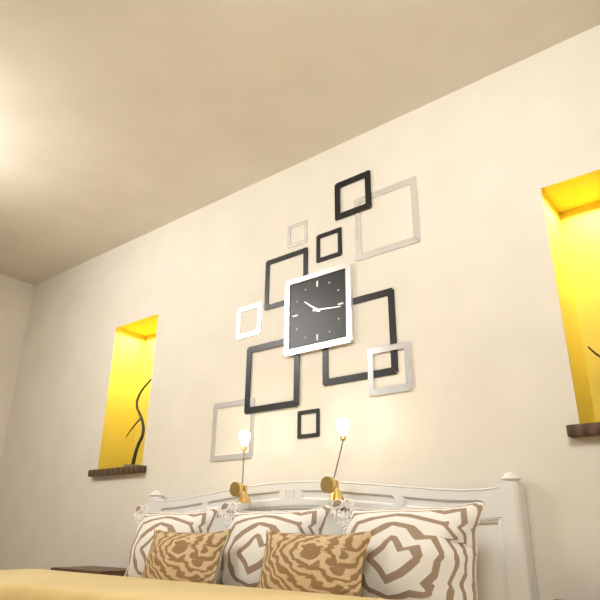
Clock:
h=10 m=16
